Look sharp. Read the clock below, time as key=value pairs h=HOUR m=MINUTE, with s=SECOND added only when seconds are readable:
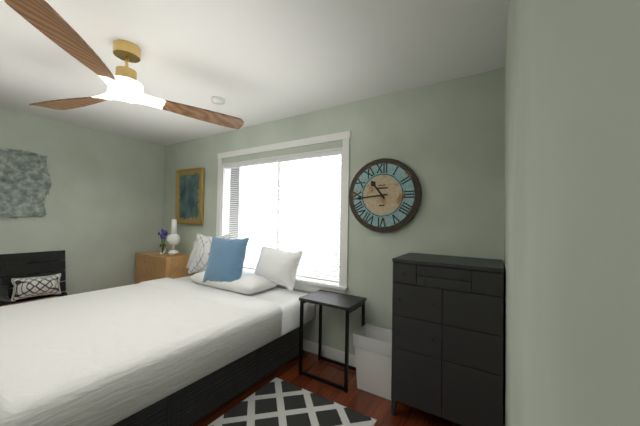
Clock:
h=10 m=44
